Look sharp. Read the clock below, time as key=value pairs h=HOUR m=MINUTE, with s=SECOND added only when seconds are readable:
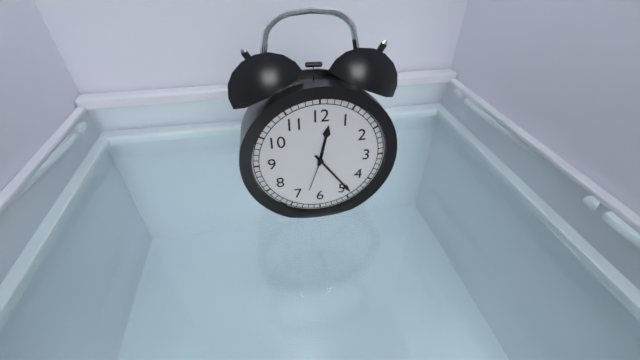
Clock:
h=12 m=24
